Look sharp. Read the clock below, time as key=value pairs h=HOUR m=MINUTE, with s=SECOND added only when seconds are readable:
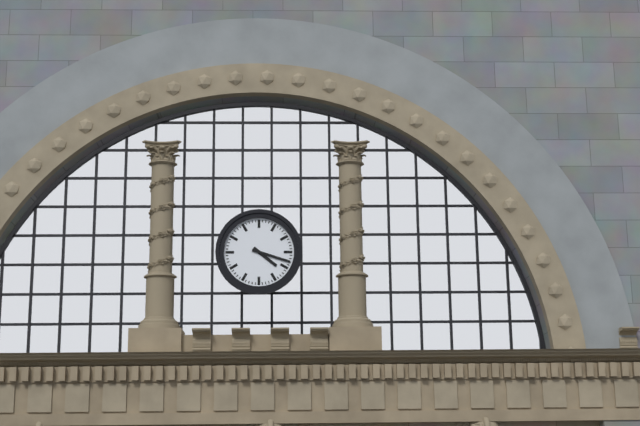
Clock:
h=4 m=18
